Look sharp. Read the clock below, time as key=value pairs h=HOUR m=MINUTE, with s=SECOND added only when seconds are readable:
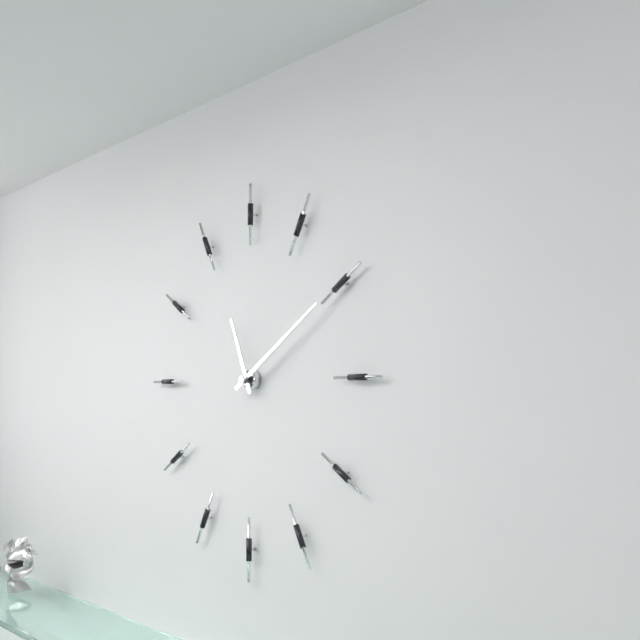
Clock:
h=11 m=10
